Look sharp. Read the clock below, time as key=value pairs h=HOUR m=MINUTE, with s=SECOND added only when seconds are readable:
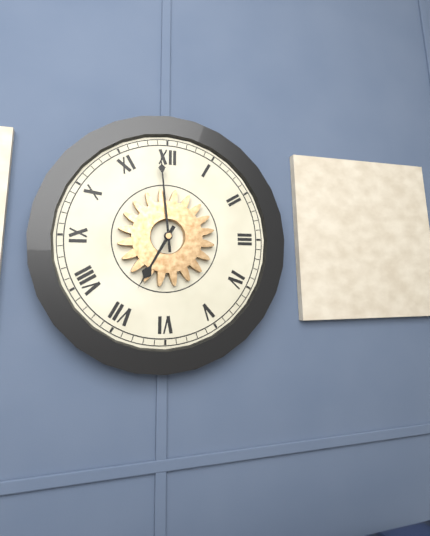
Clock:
h=6 m=59
